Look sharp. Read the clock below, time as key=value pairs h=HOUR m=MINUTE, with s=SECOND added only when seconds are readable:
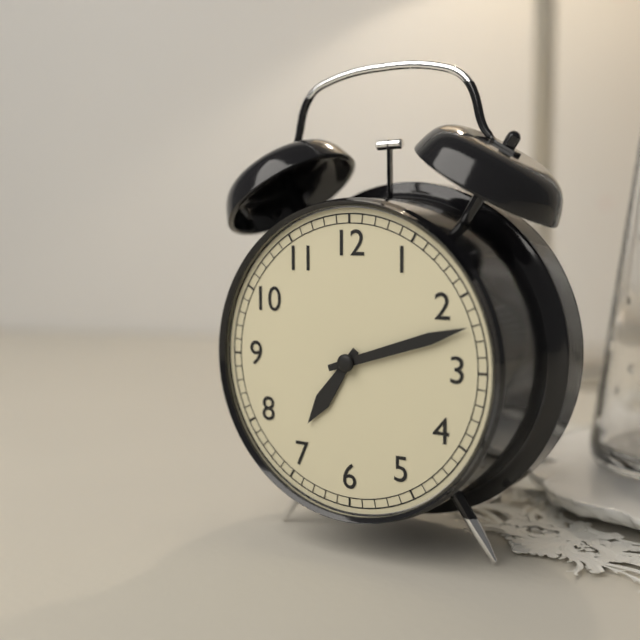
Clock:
h=7 m=12
